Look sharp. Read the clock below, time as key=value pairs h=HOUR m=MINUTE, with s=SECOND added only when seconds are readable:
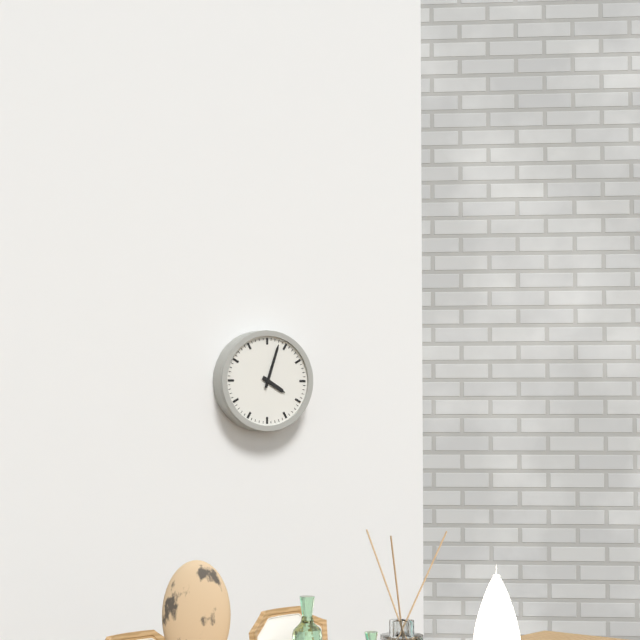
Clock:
h=4 m=3
